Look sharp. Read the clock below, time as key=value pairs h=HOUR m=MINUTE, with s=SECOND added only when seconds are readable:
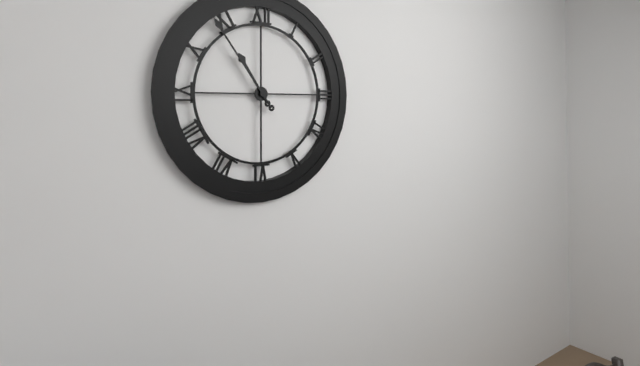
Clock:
h=10 m=54
